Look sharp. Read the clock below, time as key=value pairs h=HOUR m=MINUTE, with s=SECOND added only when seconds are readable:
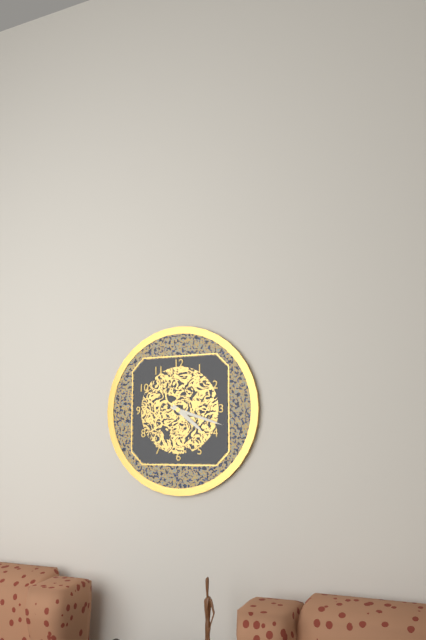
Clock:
h=4 m=18
